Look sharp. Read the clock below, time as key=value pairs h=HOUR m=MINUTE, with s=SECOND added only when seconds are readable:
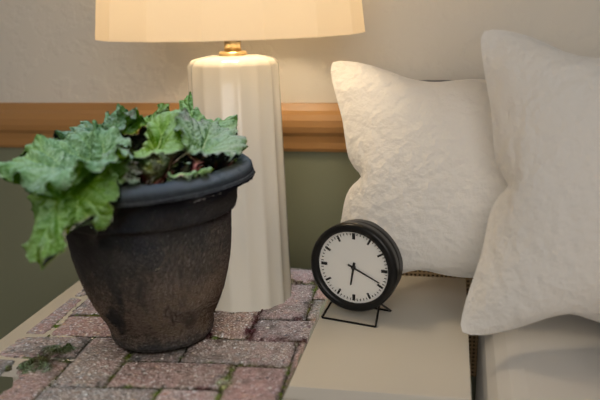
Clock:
h=6 m=19
